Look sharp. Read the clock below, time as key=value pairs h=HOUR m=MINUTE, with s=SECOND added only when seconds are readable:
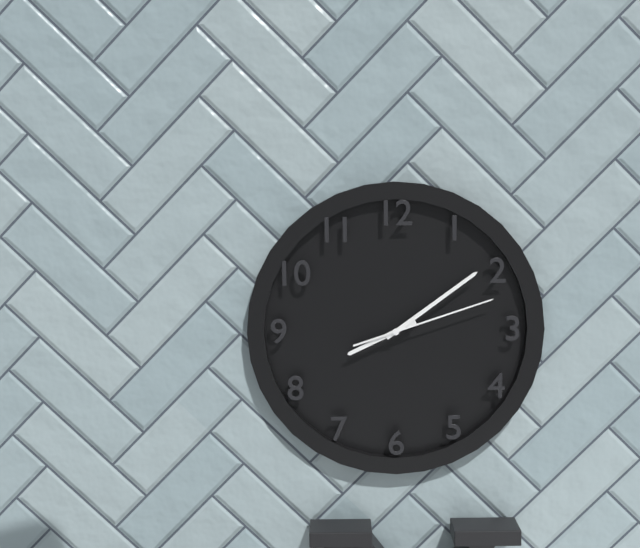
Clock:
h=8 m=9 s=12
